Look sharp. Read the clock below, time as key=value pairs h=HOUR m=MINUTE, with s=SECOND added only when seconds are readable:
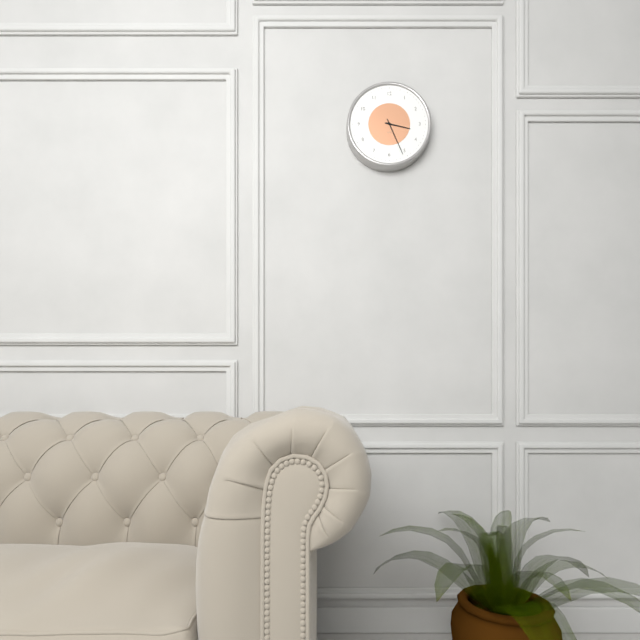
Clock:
h=3 m=26
